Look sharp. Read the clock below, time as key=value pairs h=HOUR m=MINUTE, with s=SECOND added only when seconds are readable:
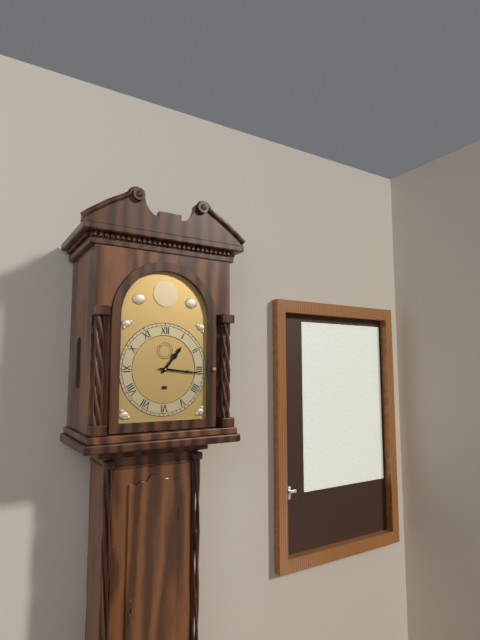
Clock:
h=1 m=16
